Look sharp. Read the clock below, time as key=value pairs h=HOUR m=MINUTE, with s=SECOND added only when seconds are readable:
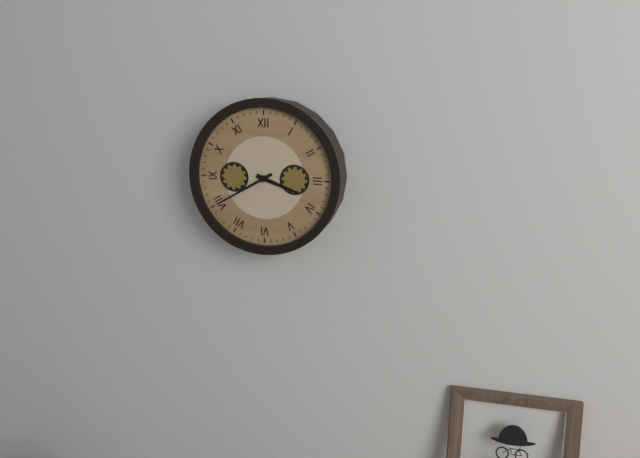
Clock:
h=3 m=40
